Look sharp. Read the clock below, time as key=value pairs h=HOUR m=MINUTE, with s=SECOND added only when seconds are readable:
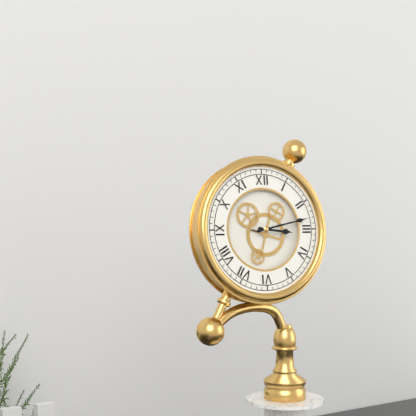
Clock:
h=3 m=13
